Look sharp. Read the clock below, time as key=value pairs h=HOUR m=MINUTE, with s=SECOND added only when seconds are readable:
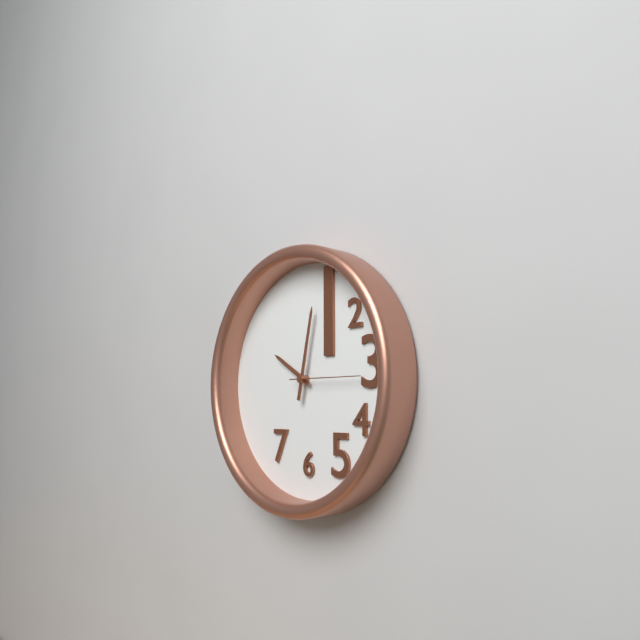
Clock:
h=10 m=2 s=15
